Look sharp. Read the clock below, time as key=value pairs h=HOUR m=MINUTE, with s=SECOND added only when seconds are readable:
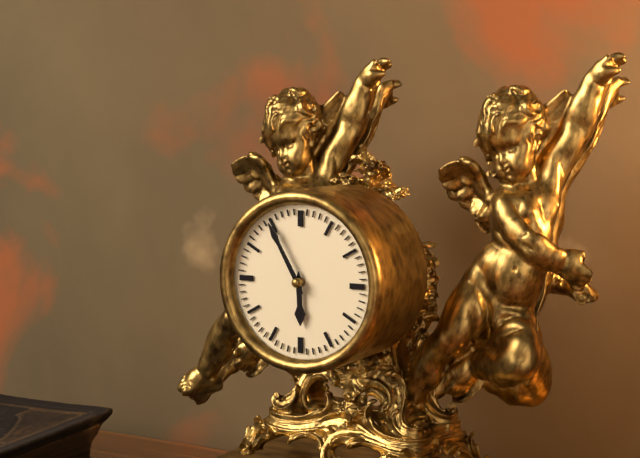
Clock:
h=5 m=55
